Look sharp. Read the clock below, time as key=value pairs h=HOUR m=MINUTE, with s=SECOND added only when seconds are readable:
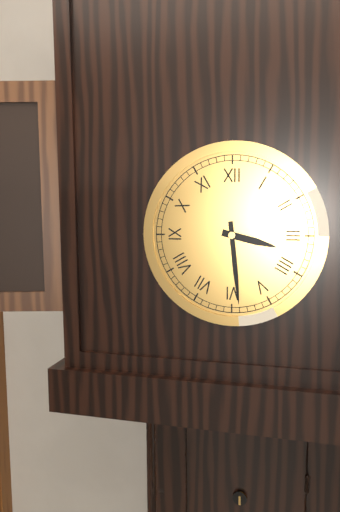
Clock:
h=3 m=29
